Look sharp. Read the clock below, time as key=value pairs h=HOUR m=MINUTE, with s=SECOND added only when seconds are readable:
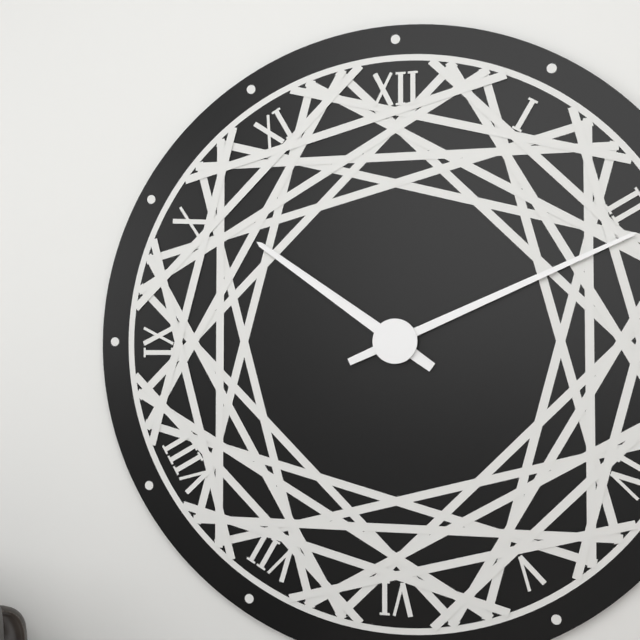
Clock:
h=10 m=11
